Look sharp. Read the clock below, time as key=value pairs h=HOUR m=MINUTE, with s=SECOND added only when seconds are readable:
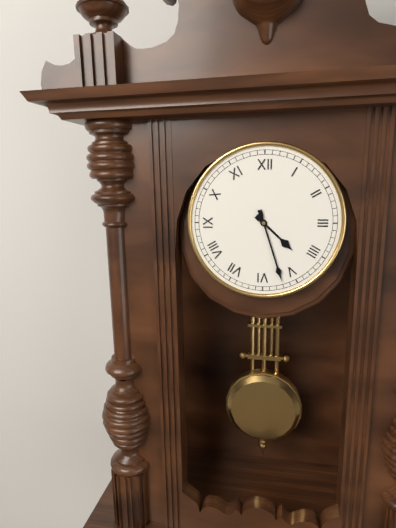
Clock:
h=4 m=27
